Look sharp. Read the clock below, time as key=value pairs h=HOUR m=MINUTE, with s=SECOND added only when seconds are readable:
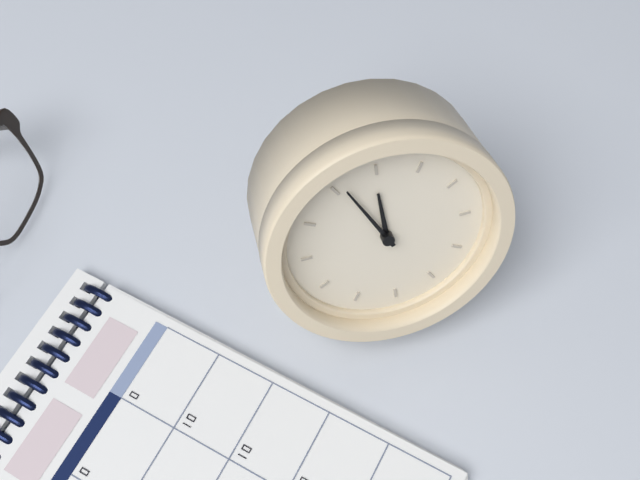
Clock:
h=11 m=56
